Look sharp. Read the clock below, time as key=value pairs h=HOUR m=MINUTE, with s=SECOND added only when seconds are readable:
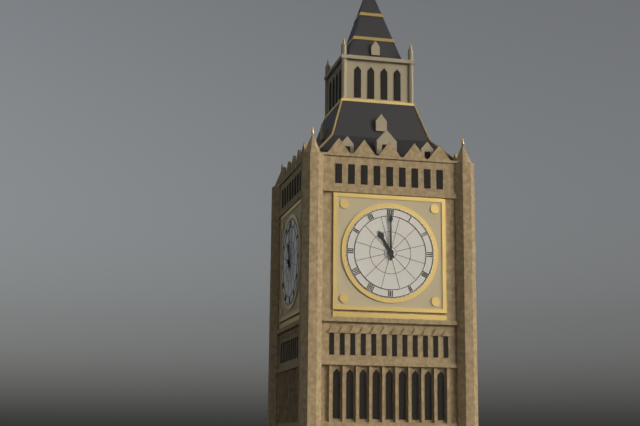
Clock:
h=11 m=0
